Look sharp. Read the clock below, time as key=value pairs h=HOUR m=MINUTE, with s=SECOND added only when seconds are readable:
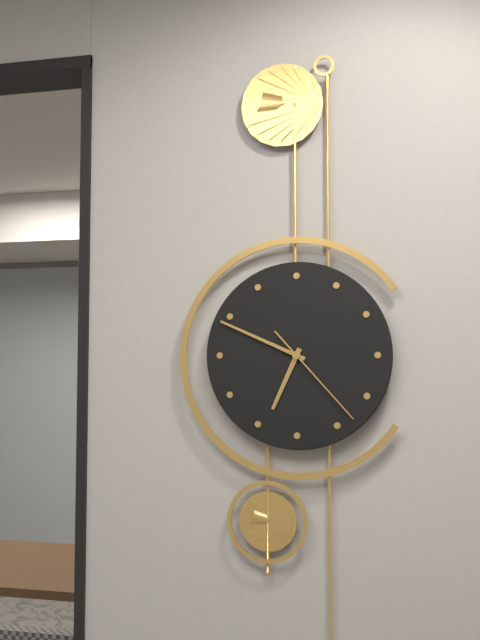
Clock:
h=6 m=49 s=23
